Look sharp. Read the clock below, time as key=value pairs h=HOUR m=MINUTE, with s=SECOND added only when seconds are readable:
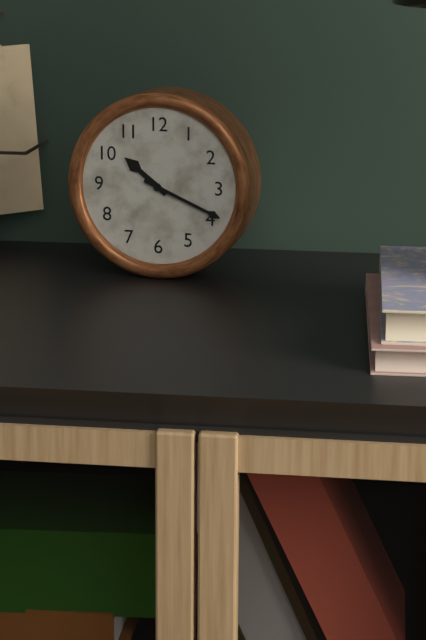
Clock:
h=10 m=19
